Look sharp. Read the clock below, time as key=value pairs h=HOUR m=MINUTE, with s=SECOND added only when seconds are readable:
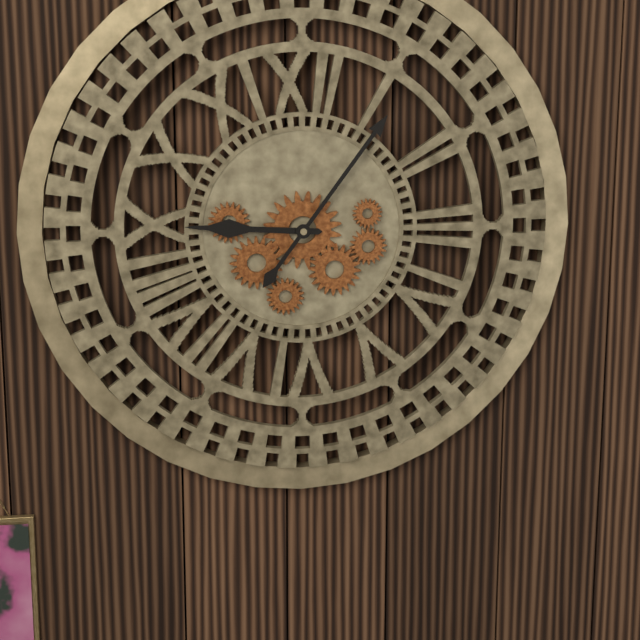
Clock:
h=9 m=6
